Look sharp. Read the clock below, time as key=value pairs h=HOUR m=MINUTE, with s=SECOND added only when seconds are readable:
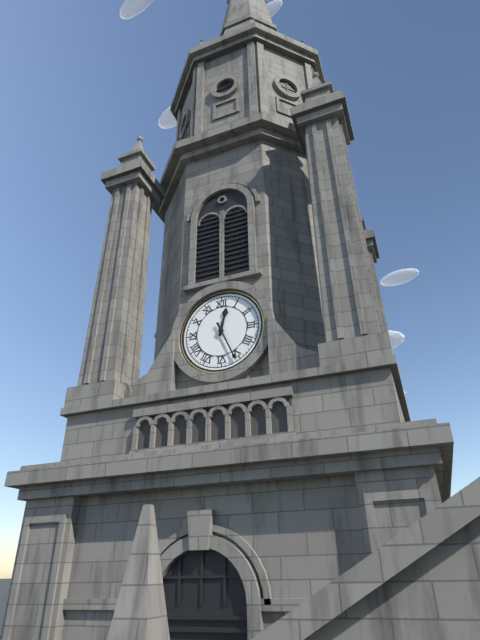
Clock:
h=12 m=26
